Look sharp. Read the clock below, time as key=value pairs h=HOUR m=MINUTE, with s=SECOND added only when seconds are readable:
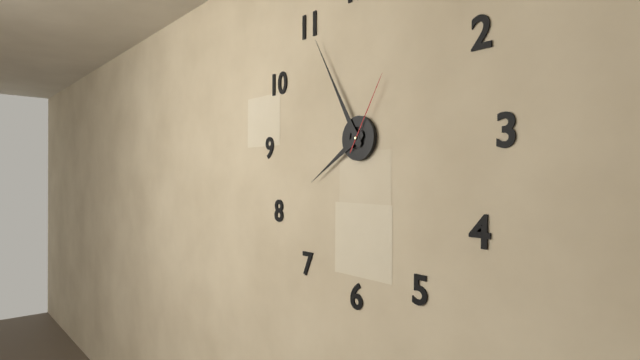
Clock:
h=7 m=55 s=5
